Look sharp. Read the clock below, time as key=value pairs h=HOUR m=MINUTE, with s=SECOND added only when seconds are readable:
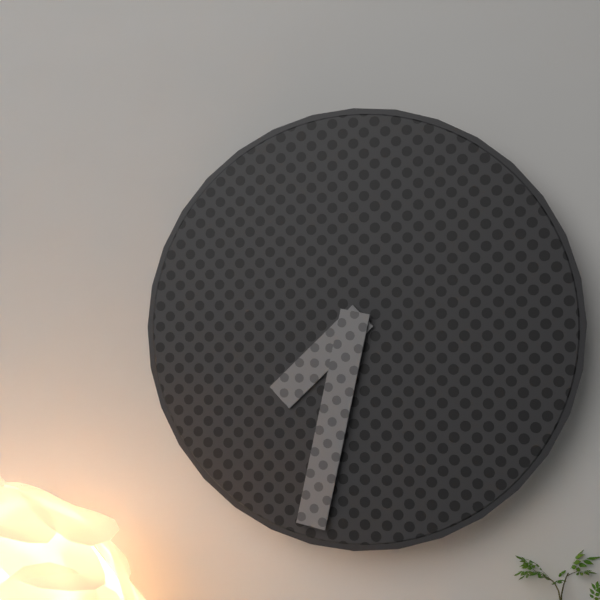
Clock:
h=7 m=32
